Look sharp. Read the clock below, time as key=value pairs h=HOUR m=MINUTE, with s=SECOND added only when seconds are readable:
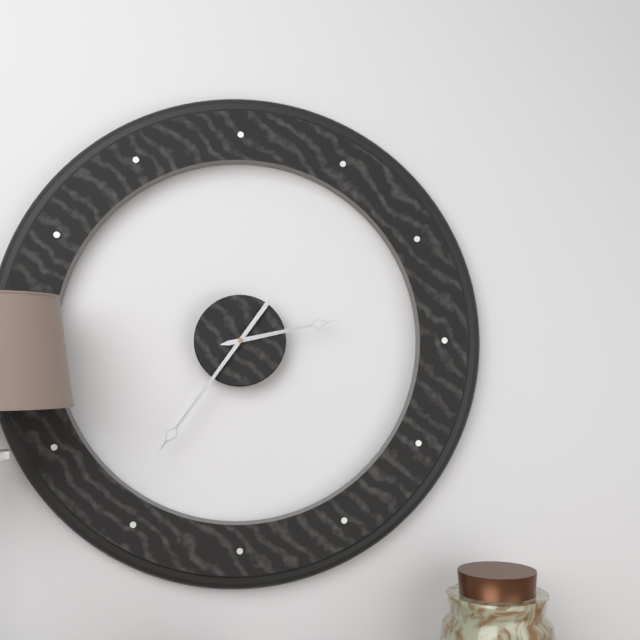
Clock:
h=2 m=36
